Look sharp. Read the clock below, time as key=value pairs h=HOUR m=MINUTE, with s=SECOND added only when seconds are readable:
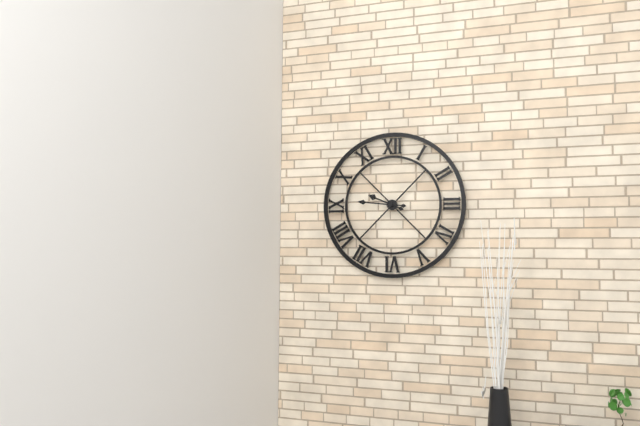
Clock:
h=9 m=46
